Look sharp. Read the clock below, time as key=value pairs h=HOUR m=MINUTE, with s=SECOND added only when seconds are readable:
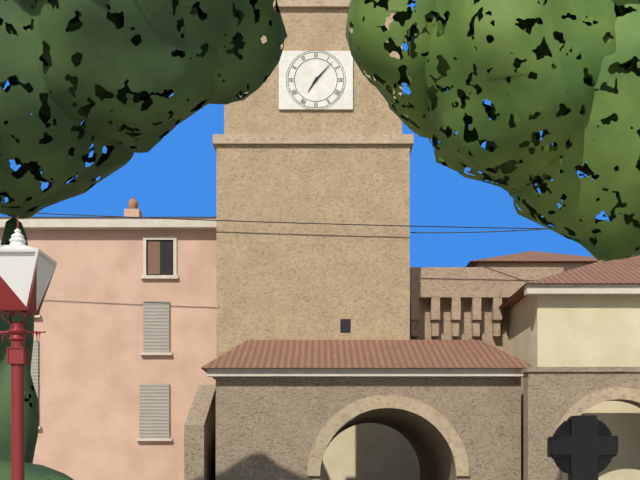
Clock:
h=7 m=7
